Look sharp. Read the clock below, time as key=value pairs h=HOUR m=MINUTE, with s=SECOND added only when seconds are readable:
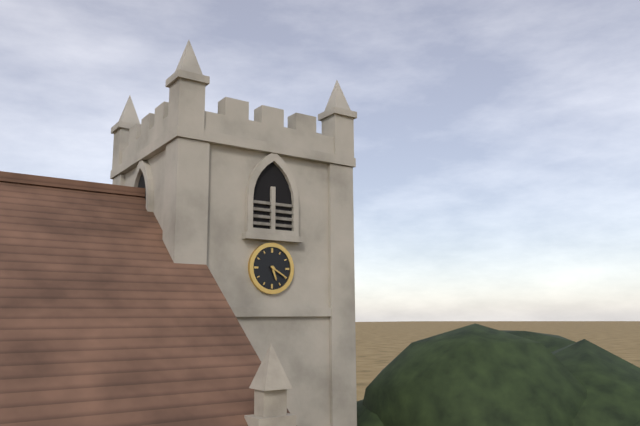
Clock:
h=5 m=20
